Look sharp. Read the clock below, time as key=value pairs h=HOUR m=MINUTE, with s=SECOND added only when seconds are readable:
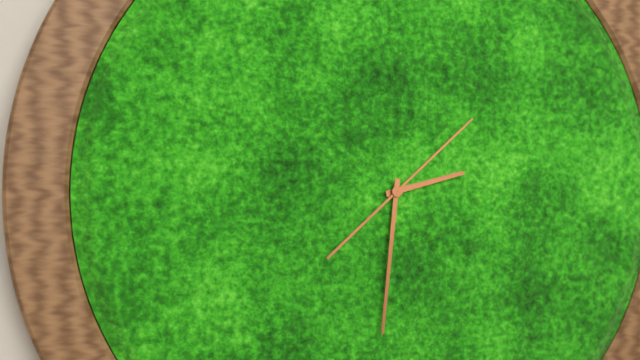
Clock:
h=2 m=31 s=8
